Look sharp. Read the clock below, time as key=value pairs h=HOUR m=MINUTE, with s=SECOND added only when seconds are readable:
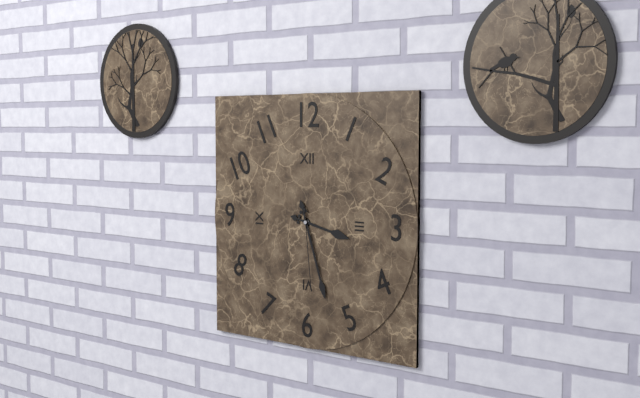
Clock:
h=3 m=27 s=29
